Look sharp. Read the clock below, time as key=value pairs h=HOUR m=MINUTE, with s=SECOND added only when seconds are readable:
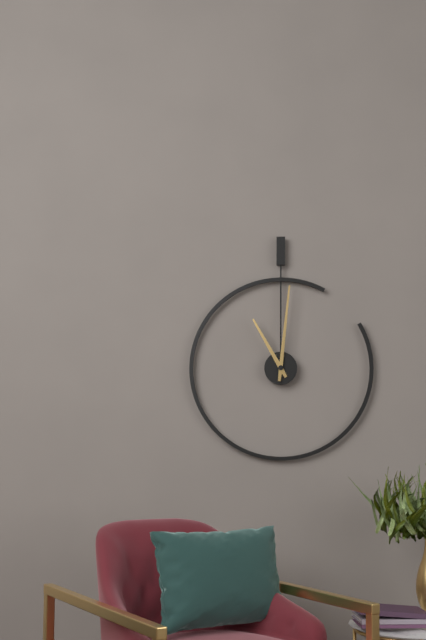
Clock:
h=11 m=1
